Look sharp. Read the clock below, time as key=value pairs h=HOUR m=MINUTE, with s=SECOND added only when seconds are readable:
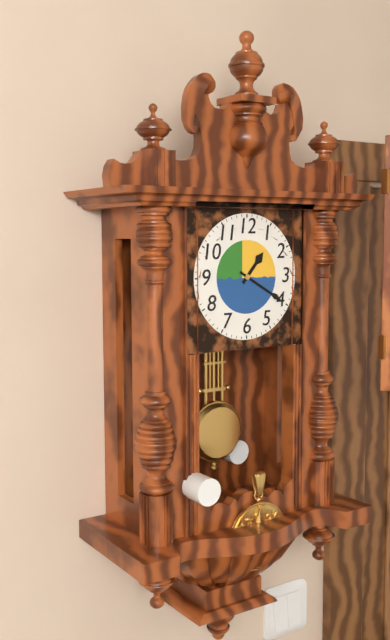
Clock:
h=1 m=20
